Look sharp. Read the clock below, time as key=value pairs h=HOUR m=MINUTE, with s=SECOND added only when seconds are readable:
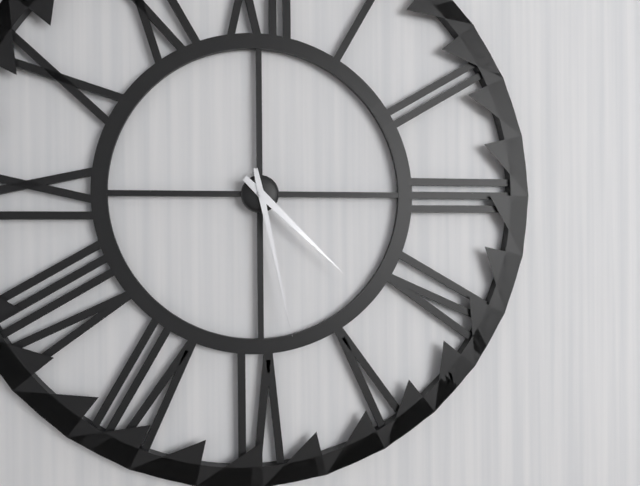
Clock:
h=4 m=28
